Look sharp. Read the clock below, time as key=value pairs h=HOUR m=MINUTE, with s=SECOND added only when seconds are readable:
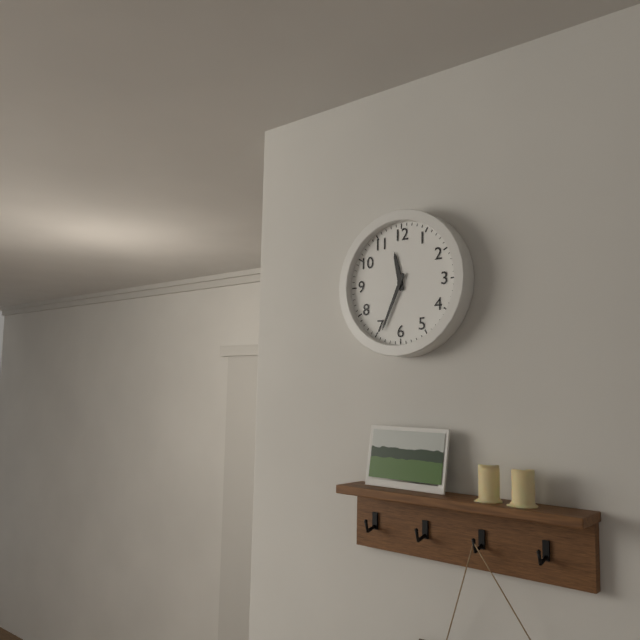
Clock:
h=11 m=34
